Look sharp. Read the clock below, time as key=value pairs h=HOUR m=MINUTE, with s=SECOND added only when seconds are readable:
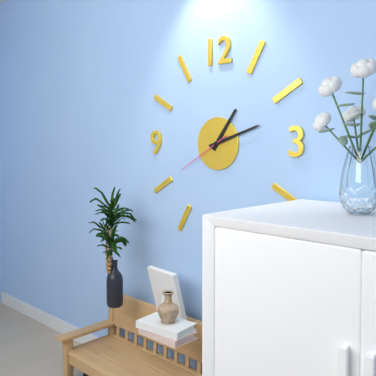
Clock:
h=1 m=12 s=40
